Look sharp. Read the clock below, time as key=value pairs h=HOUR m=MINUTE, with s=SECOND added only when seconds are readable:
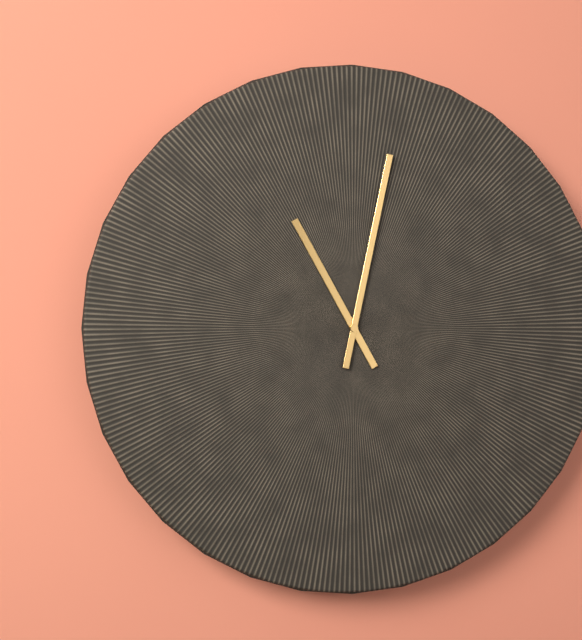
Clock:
h=11 m=2
